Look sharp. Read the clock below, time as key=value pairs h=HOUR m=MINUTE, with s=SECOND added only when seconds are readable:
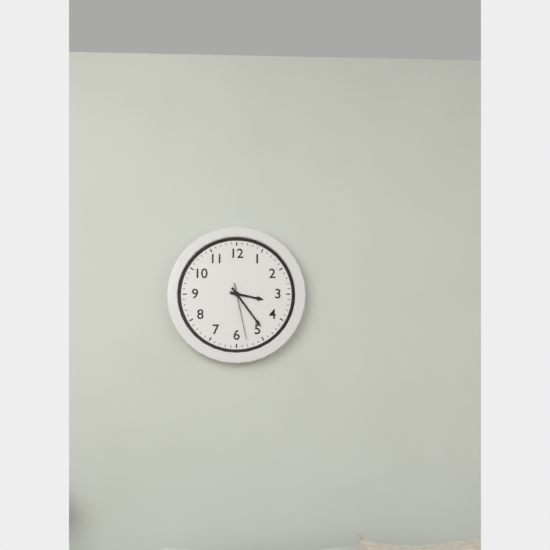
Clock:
h=3 m=24 s=28
